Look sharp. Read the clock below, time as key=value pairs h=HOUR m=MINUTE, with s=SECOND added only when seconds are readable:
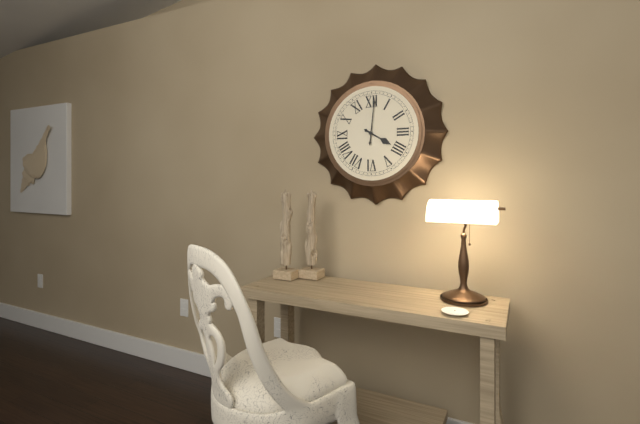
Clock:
h=4 m=1
